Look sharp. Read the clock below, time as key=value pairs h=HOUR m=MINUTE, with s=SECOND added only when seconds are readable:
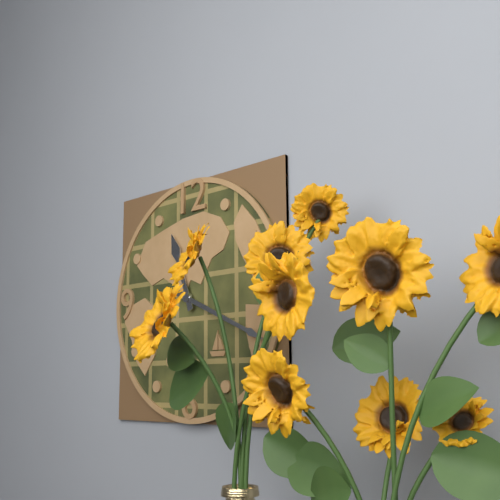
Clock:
h=11 m=19
